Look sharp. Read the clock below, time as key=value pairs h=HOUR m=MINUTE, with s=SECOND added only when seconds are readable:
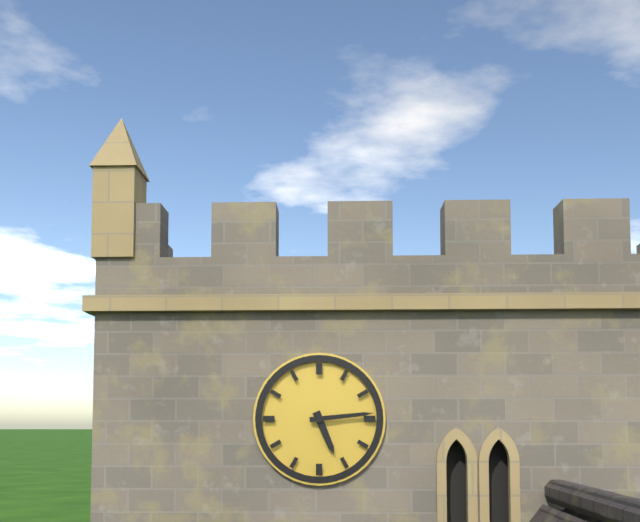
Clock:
h=5 m=14
